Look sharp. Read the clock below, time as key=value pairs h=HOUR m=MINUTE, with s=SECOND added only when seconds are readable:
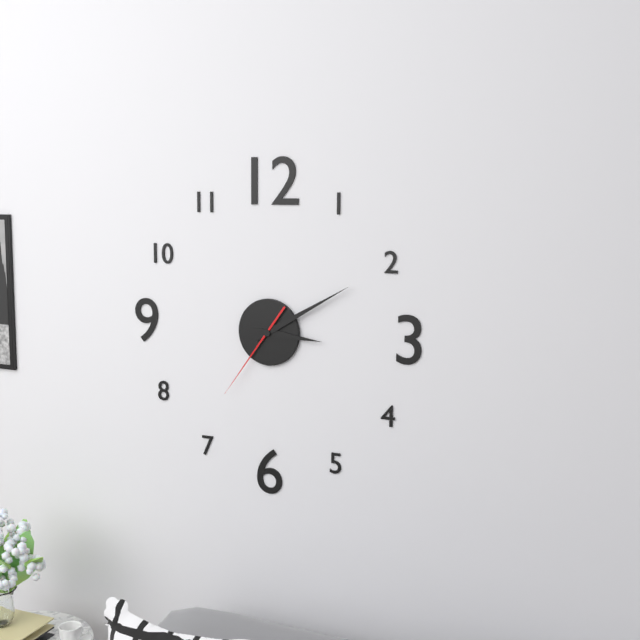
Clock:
h=3 m=10 s=36
